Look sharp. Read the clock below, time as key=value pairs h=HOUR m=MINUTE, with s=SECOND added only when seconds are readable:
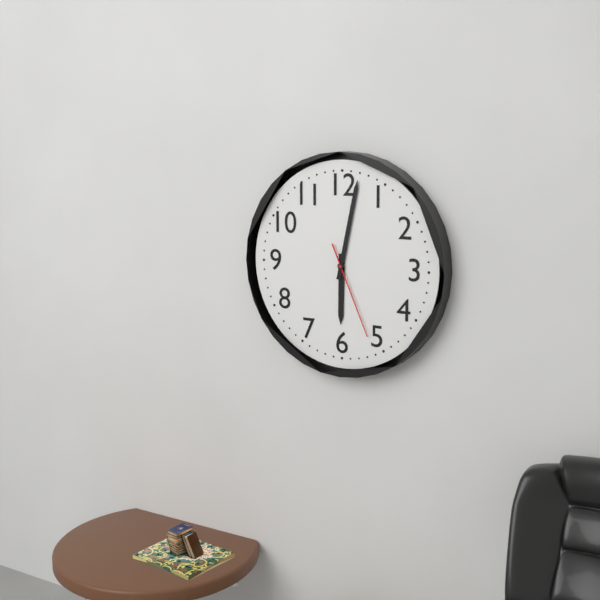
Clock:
h=6 m=2 s=26
